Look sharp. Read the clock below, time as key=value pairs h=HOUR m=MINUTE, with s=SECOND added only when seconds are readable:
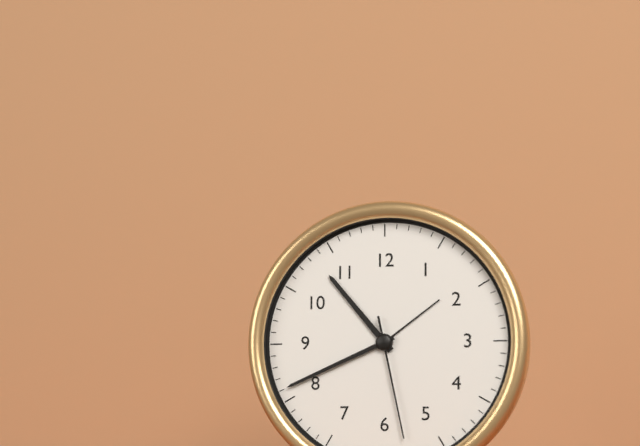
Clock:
h=10 m=41 s=28
